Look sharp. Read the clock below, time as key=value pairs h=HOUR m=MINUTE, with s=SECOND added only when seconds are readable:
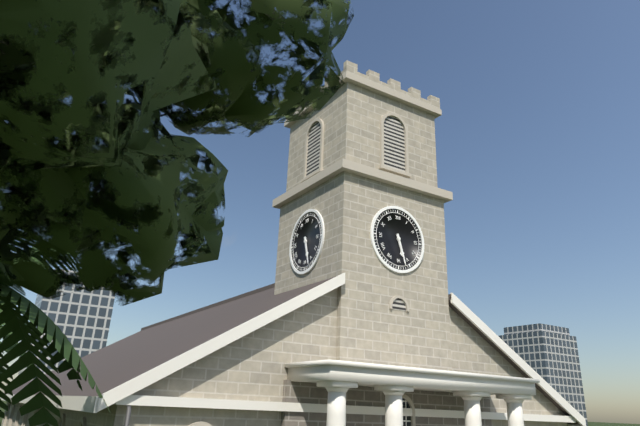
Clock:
h=5 m=27
